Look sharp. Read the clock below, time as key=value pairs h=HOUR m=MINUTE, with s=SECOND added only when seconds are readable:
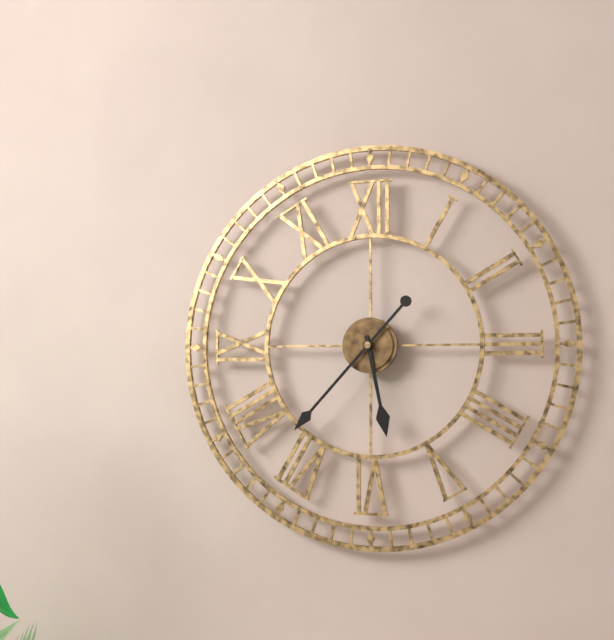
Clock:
h=5 m=37
